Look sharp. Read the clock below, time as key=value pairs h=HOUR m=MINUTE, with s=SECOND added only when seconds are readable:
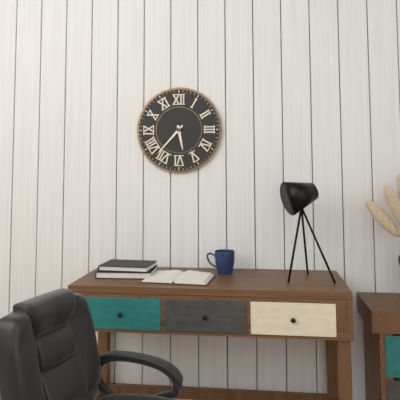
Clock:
h=5 m=37
